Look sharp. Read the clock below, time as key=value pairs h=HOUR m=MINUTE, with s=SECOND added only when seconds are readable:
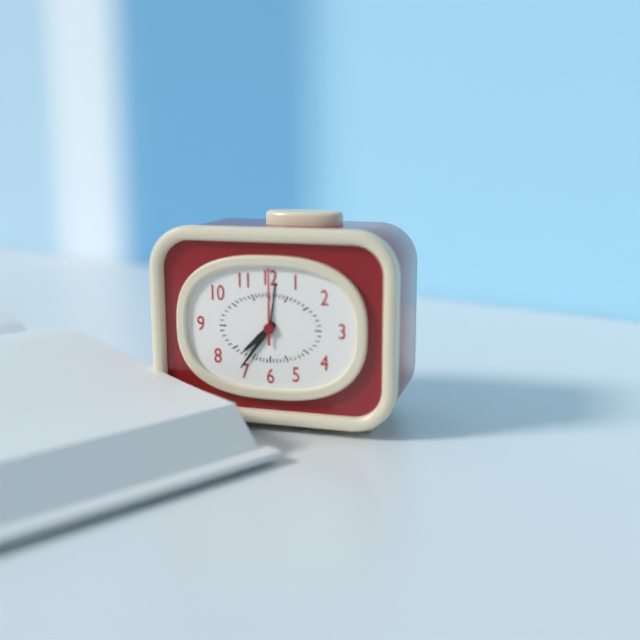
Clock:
h=7 m=36 s=0
